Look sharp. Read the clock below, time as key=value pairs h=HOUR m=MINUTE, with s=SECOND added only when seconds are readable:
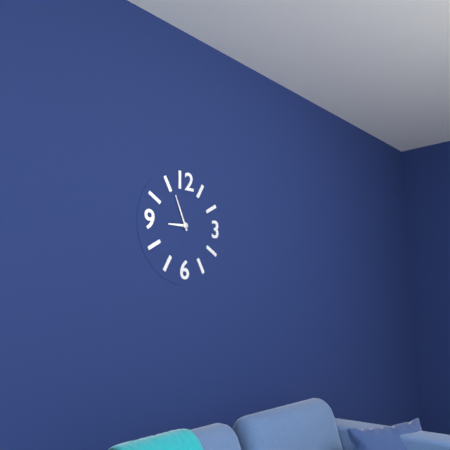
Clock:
h=8 m=56
